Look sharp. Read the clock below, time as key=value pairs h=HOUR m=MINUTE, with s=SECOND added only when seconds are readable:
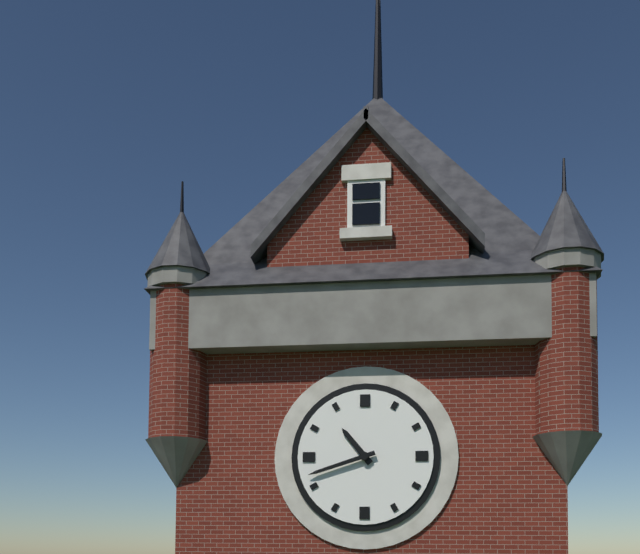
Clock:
h=10 m=42
